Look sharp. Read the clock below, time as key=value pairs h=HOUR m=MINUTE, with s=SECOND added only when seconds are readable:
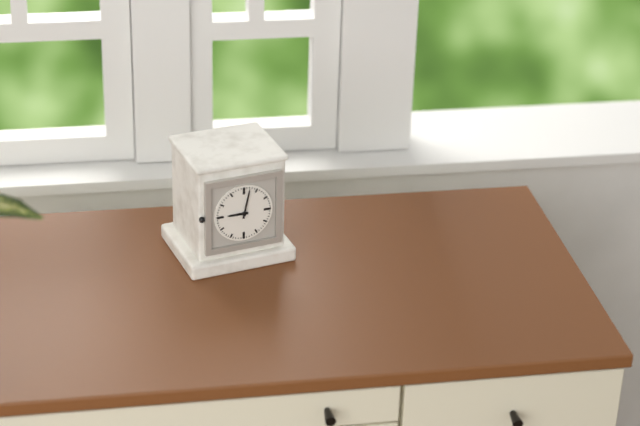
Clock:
h=9 m=2
